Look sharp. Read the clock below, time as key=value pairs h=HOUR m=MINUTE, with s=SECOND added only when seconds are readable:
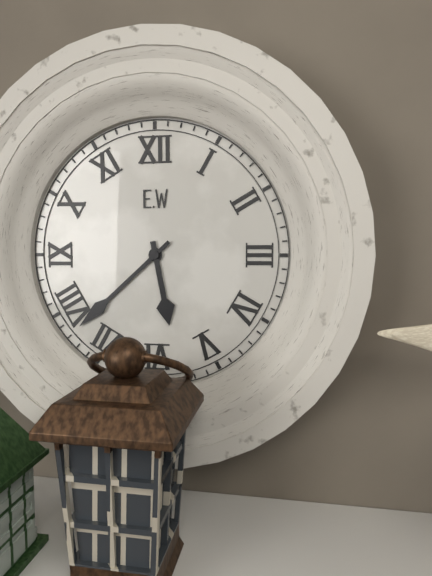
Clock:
h=5 m=38
